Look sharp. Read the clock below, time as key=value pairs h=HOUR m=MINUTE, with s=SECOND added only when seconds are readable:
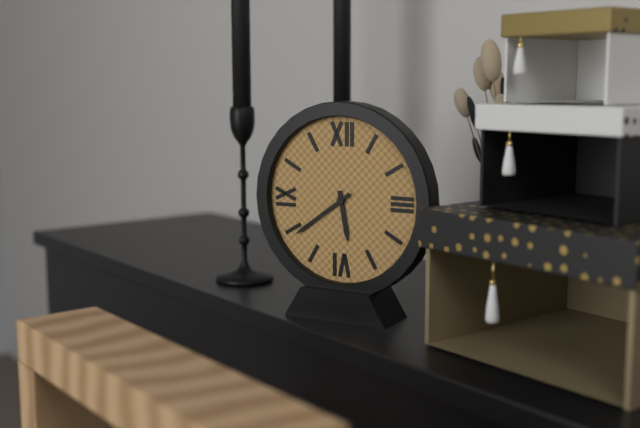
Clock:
h=5 m=39
